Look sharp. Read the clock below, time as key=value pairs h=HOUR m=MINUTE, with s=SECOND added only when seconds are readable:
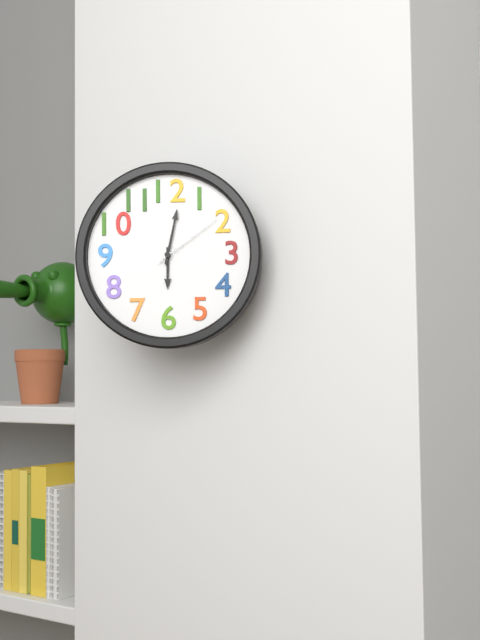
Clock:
h=6 m=2 s=9
